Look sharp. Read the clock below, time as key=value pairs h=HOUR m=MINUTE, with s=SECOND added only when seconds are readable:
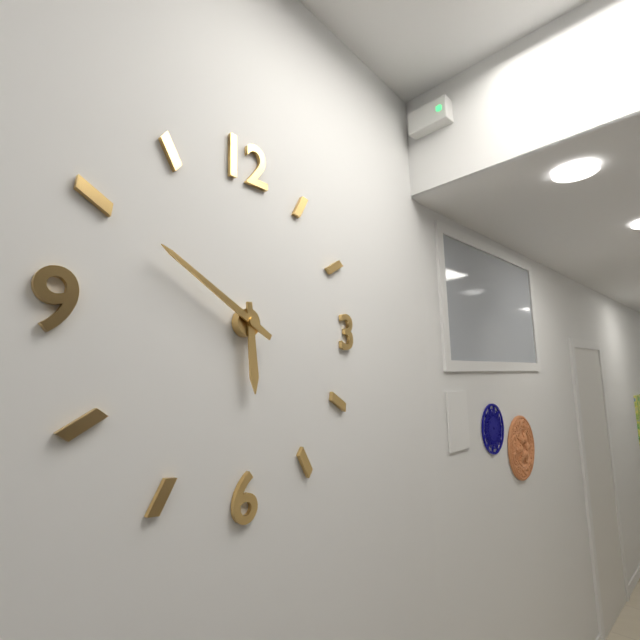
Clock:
h=5 m=50
